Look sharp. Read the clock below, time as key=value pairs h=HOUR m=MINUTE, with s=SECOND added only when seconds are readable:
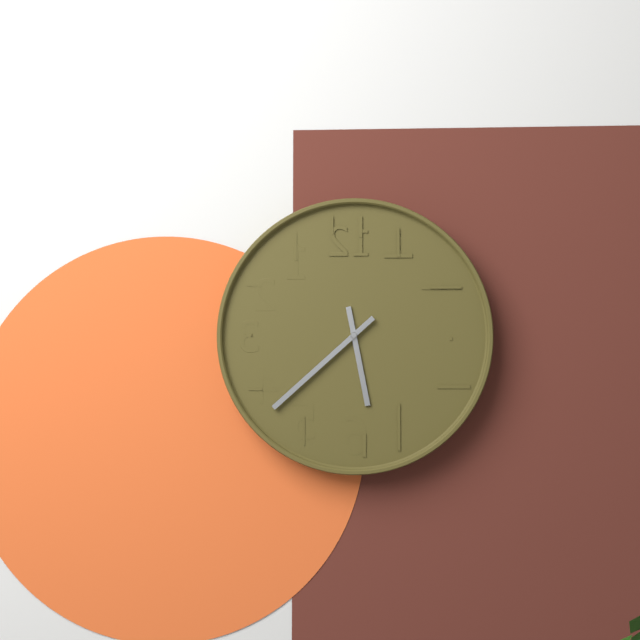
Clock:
h=5 m=38
